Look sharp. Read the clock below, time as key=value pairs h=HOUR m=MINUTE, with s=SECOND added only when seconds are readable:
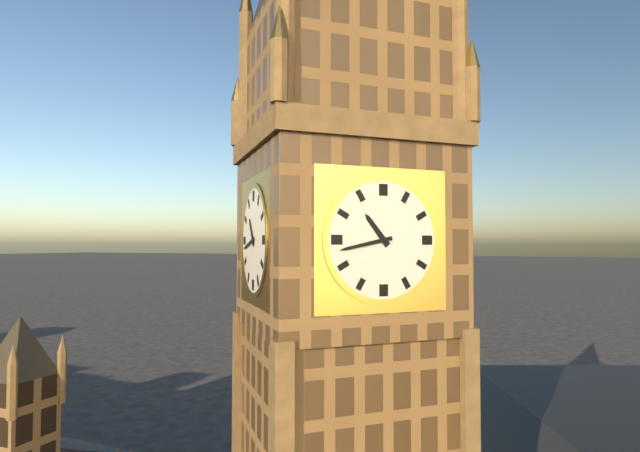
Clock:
h=10 m=43
